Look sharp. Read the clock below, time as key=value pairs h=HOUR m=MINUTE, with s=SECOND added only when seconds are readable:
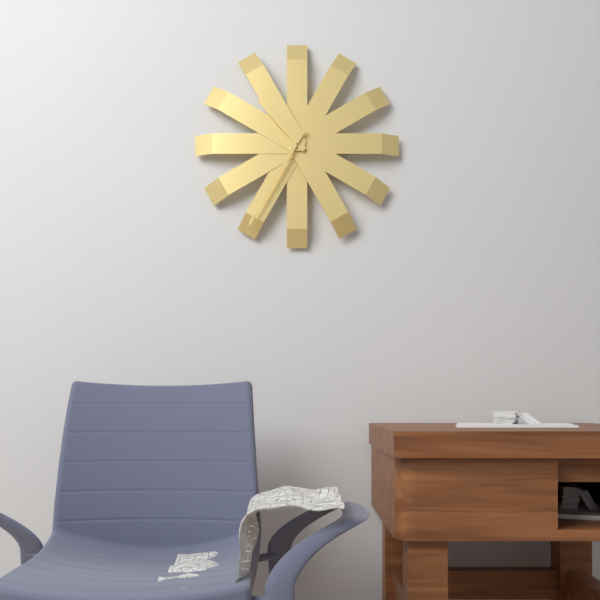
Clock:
h=10 m=35
